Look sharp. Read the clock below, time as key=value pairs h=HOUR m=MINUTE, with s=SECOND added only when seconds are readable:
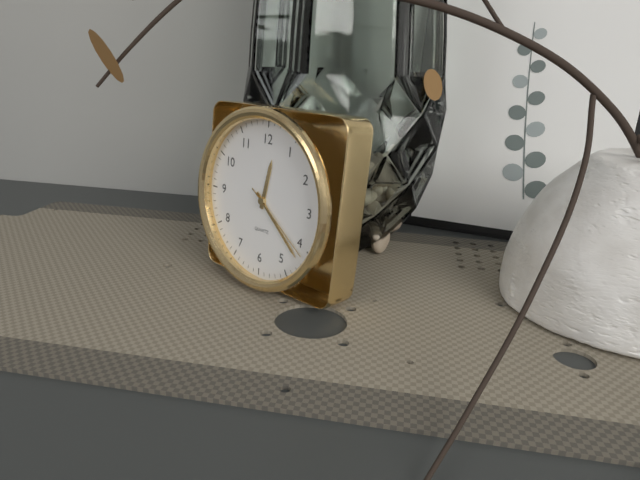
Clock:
h=12 m=22 s=21
